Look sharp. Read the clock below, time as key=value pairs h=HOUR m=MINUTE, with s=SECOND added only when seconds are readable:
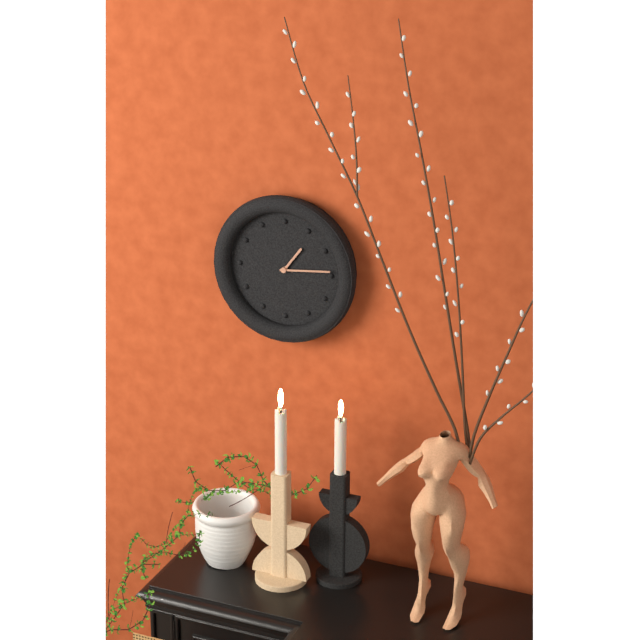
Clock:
h=1 m=14
